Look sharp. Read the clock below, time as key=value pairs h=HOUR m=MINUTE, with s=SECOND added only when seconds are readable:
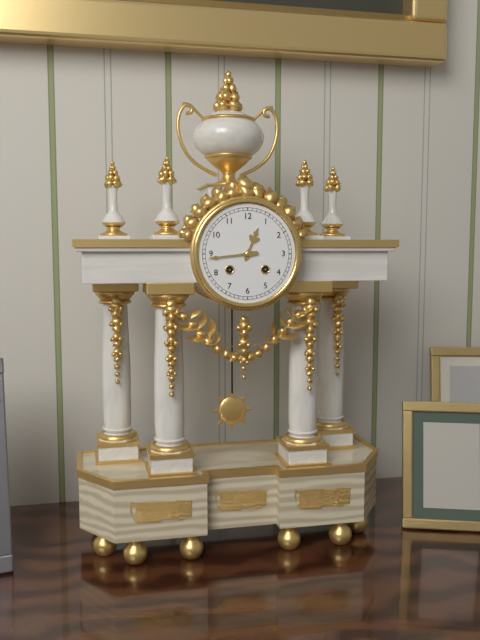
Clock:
h=12 m=44
